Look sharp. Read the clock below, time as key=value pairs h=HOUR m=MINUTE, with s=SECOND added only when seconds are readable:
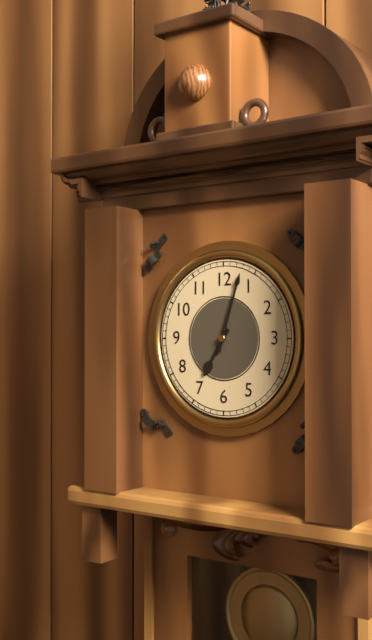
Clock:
h=7 m=3
